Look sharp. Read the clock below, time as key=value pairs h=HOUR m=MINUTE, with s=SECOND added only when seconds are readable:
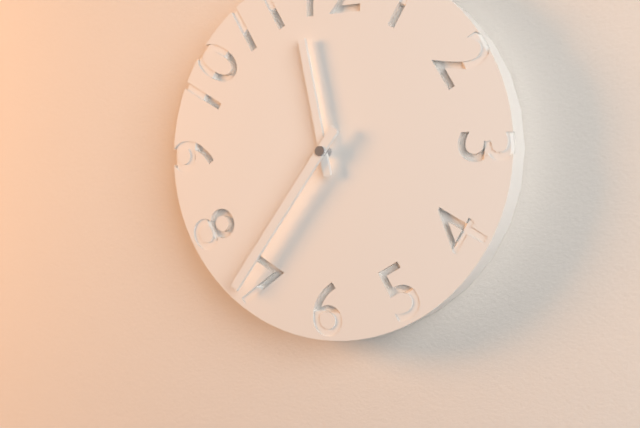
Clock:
h=11 m=36
